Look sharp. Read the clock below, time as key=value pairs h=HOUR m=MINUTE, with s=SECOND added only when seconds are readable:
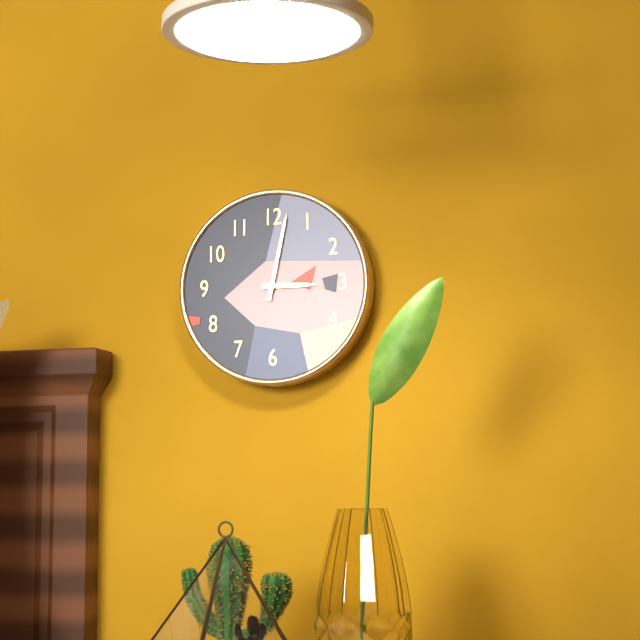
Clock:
h=3 m=2
